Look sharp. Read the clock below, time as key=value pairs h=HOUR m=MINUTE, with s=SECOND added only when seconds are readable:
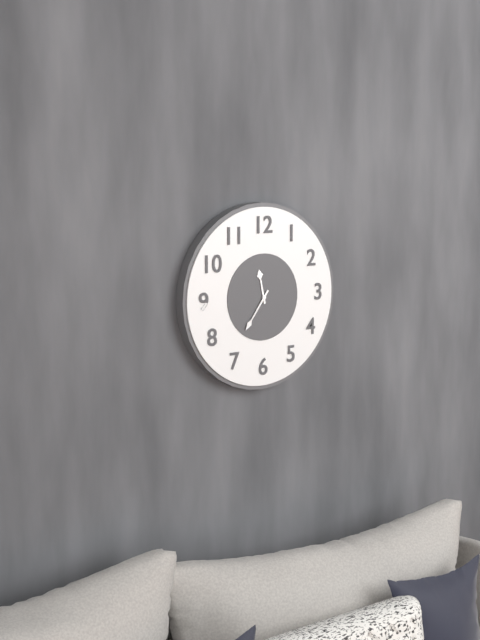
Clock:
h=11 m=36
